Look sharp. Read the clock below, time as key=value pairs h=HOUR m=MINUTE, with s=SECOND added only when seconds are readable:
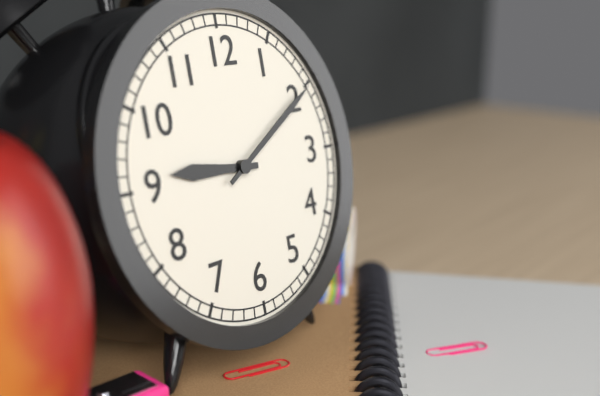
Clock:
h=9 m=10
